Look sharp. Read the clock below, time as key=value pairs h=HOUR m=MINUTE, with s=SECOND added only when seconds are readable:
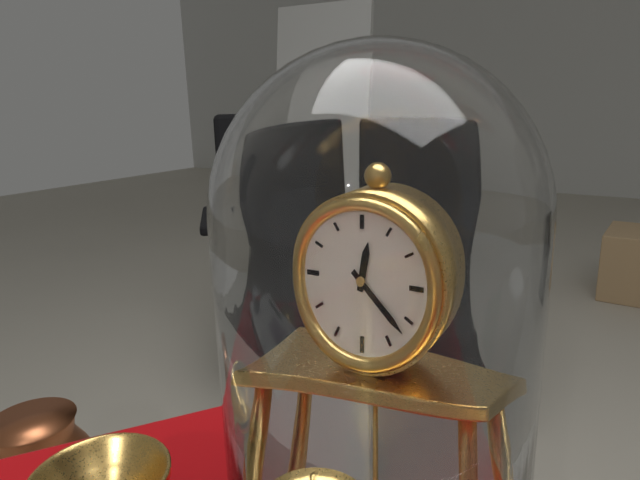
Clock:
h=12 m=22
